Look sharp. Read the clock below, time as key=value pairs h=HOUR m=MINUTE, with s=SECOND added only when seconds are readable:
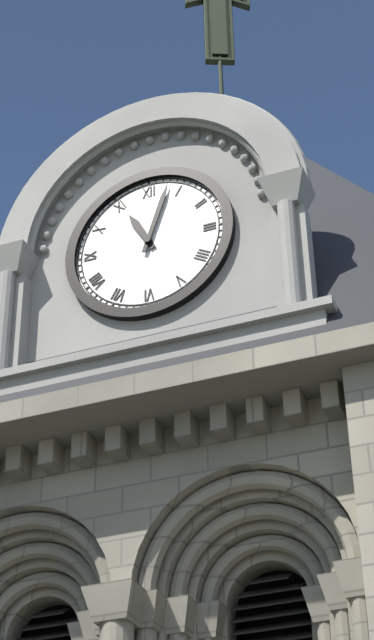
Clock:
h=11 m=3
